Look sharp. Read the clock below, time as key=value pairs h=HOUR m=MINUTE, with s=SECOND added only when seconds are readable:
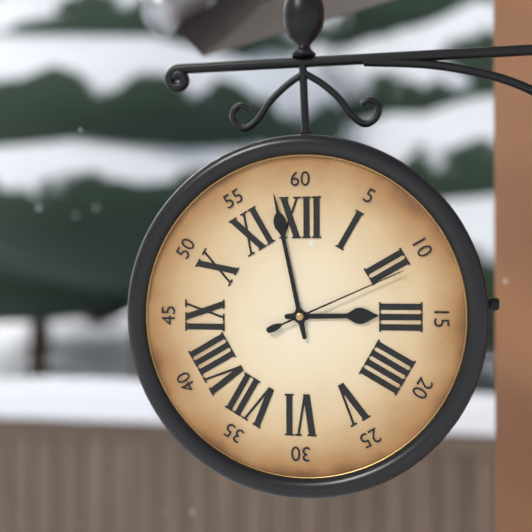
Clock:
h=2 m=58 s=11
